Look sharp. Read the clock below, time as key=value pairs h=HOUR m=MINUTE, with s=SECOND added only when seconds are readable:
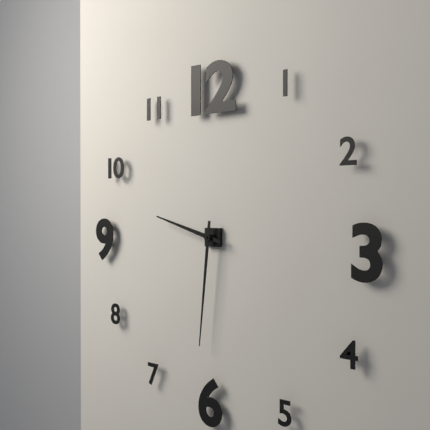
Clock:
h=9 m=31
